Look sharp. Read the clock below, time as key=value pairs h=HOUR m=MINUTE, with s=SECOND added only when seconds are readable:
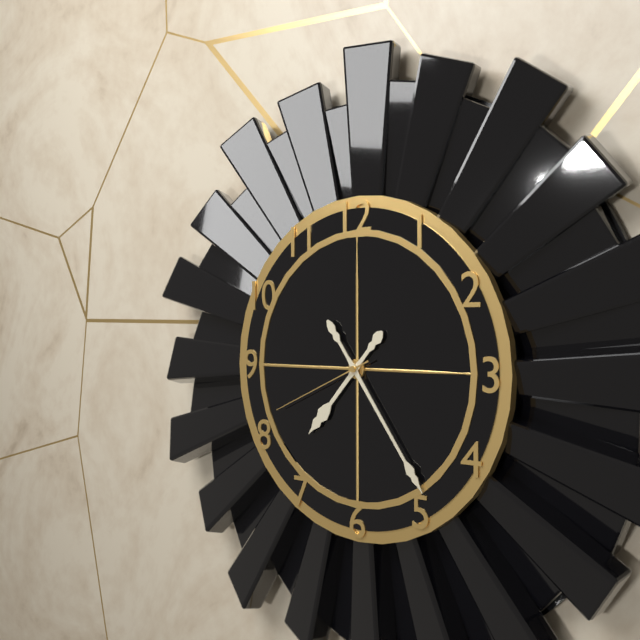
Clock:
h=7 m=24 s=41
